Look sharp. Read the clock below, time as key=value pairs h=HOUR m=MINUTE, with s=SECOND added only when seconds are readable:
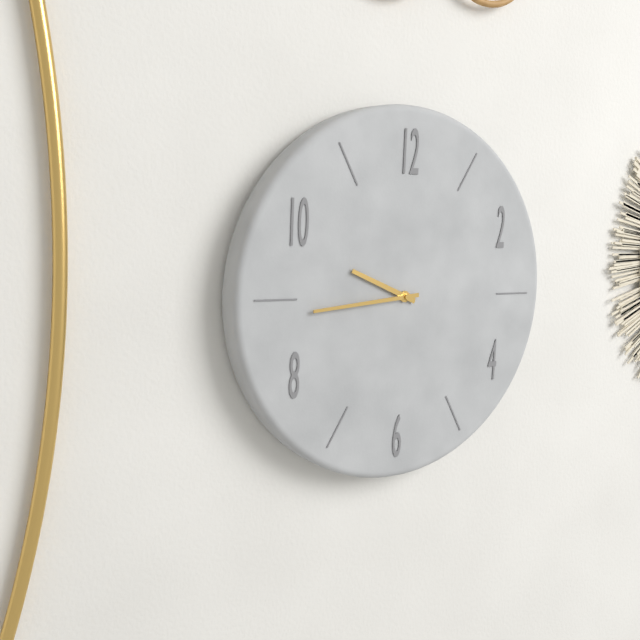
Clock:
h=9 m=44
